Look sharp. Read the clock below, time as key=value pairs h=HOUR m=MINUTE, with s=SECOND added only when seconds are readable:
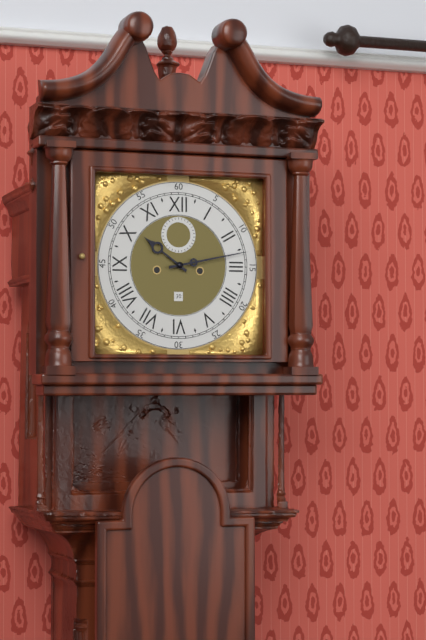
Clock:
h=10 m=13
